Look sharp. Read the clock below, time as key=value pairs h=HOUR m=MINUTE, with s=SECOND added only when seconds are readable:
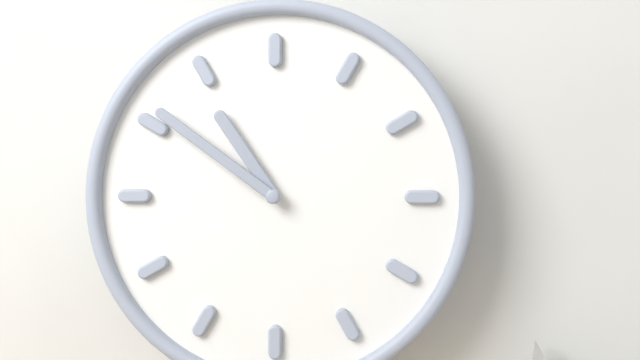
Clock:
h=10 m=51
